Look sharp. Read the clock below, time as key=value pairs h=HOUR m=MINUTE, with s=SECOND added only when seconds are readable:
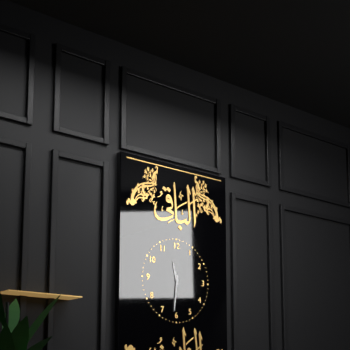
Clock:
h=11 m=31
